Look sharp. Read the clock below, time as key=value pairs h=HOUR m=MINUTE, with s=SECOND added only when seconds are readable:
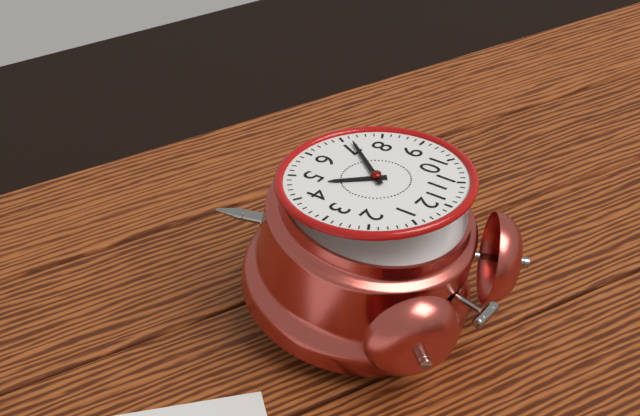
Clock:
h=4 m=36
